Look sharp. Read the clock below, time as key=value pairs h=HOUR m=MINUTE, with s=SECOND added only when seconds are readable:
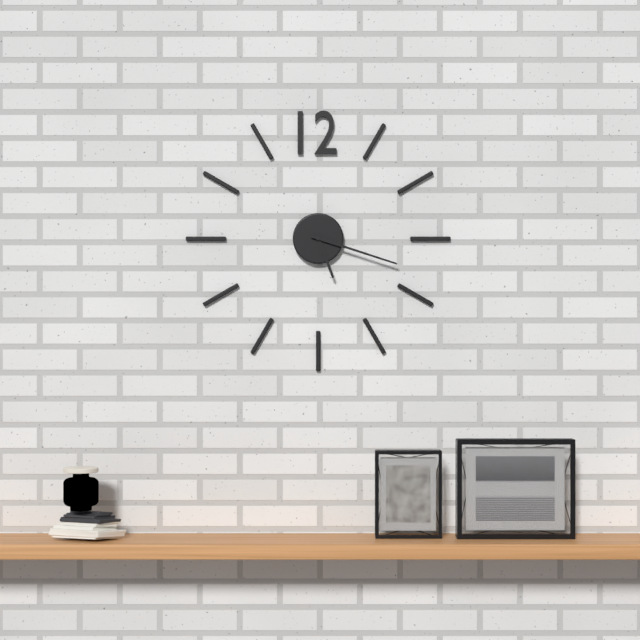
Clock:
h=5 m=18
